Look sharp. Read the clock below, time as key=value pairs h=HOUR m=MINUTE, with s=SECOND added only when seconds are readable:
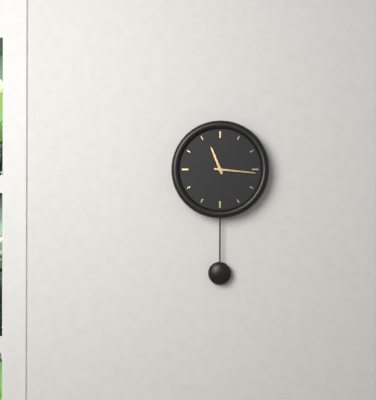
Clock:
h=11 m=16
